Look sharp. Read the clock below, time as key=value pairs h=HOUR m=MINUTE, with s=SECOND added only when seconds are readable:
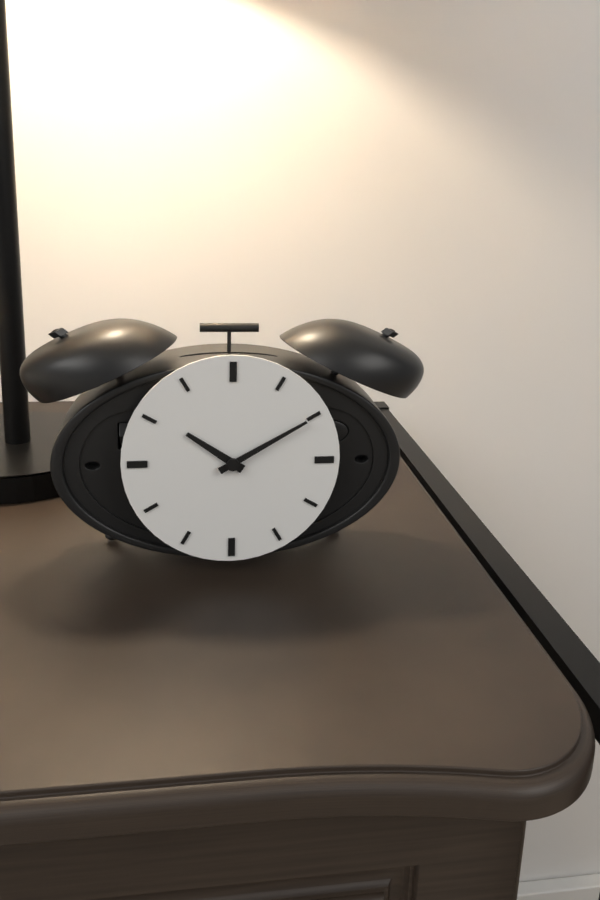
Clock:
h=10 m=10
